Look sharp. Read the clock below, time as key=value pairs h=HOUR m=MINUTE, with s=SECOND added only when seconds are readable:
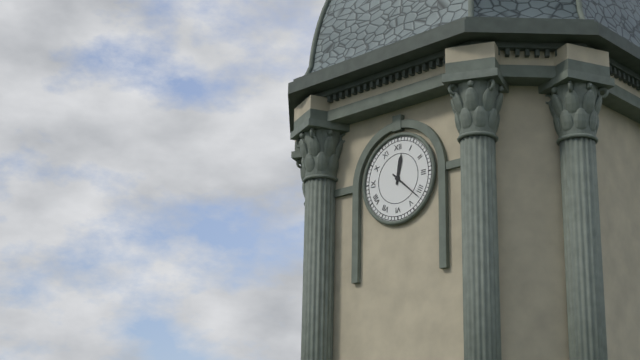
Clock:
h=12 m=22
